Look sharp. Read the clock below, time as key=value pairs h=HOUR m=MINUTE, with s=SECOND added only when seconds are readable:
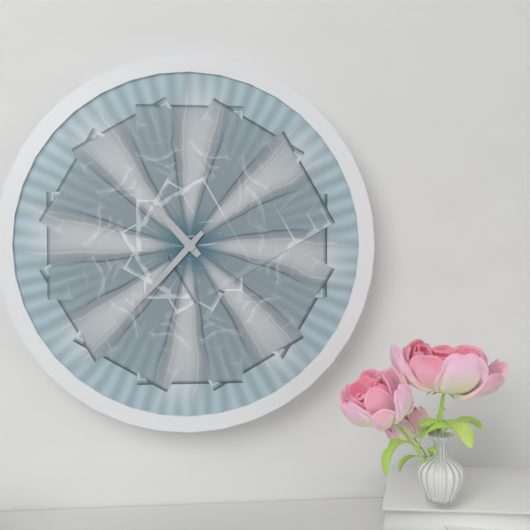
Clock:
h=10 m=37
